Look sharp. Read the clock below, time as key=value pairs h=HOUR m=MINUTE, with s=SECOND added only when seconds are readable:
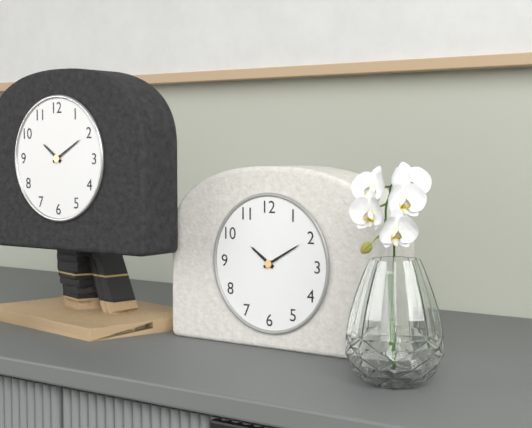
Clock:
h=10 m=10
